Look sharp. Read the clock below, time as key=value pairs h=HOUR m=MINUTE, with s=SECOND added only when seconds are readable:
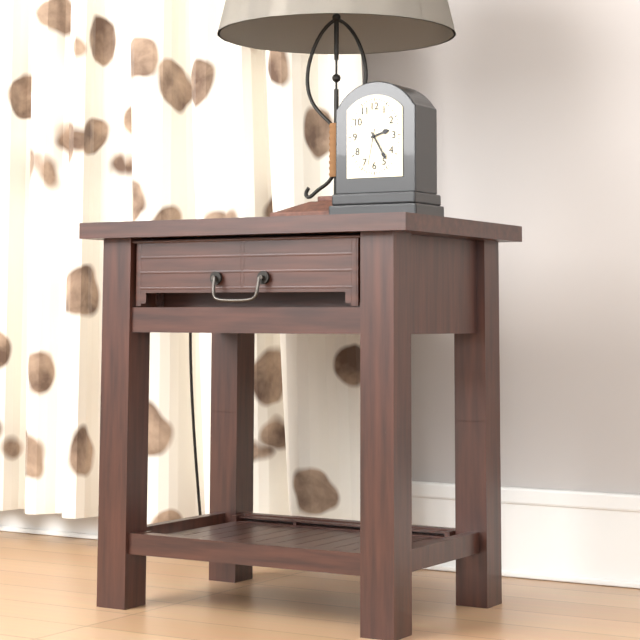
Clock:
h=2 m=25
